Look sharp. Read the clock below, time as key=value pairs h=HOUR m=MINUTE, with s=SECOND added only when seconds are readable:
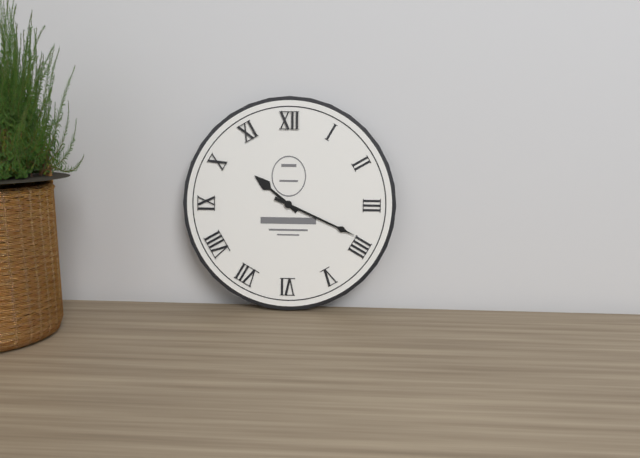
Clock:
h=10 m=19
